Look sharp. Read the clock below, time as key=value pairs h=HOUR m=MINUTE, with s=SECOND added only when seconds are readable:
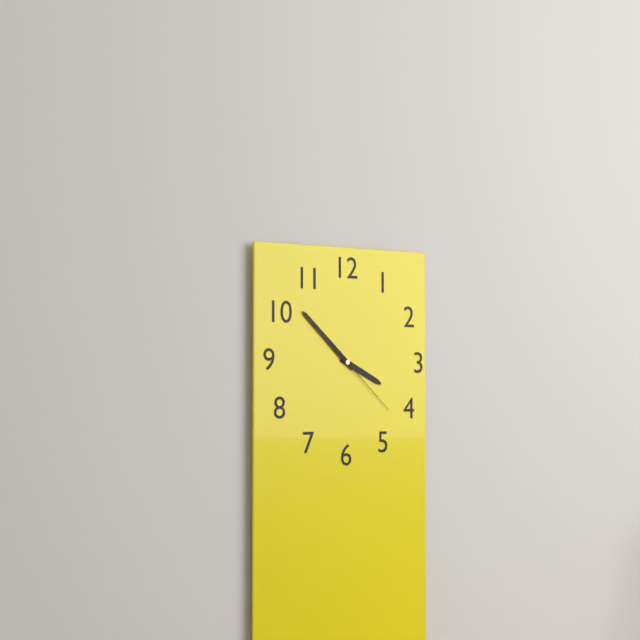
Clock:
h=3 m=52 s=22
